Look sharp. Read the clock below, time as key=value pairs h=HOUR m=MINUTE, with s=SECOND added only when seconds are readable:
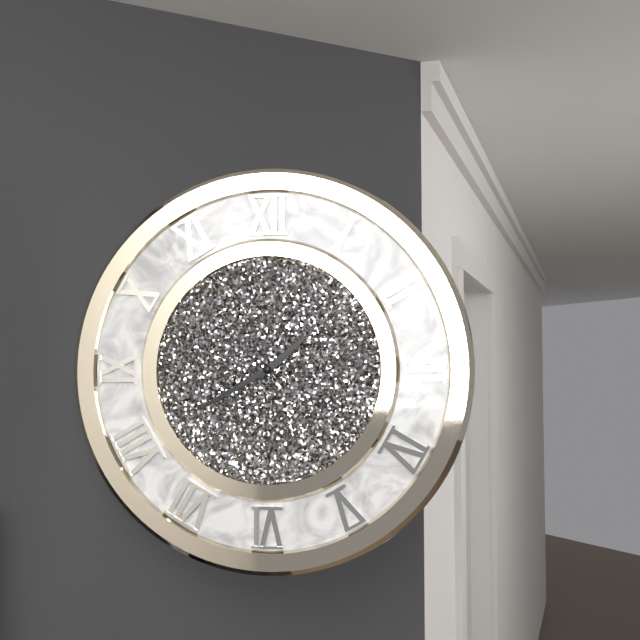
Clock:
h=1 m=40
